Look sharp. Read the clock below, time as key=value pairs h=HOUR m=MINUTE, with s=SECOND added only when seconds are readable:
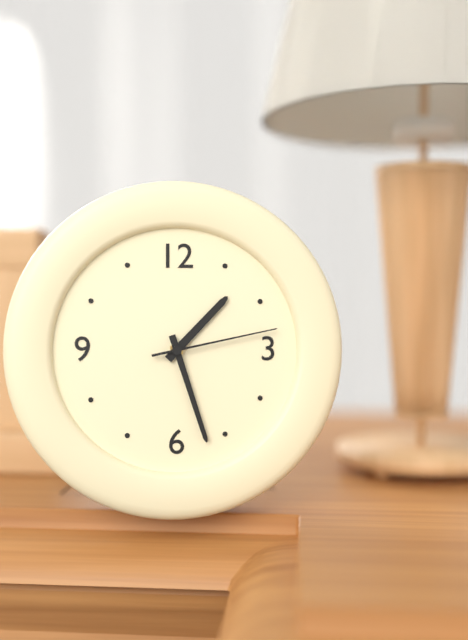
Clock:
h=1 m=27 s=13
